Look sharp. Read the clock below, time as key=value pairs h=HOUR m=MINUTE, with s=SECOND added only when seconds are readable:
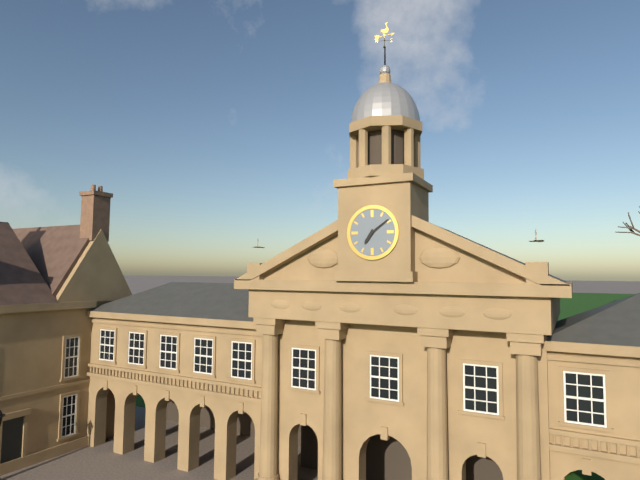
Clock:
h=7 m=9
